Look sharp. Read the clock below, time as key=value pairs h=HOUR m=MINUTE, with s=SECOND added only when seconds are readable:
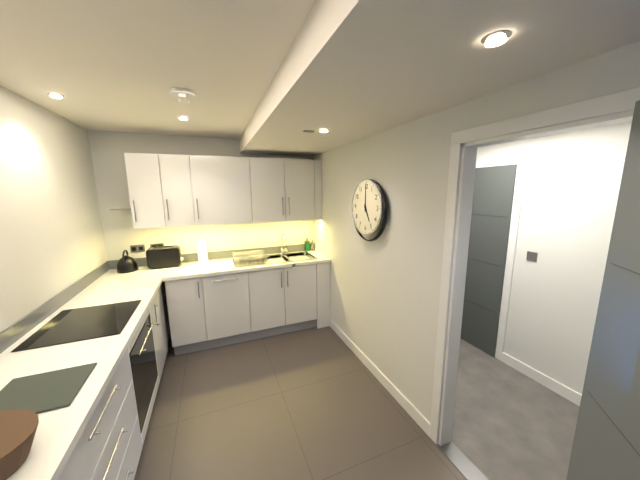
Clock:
h=5 m=0
